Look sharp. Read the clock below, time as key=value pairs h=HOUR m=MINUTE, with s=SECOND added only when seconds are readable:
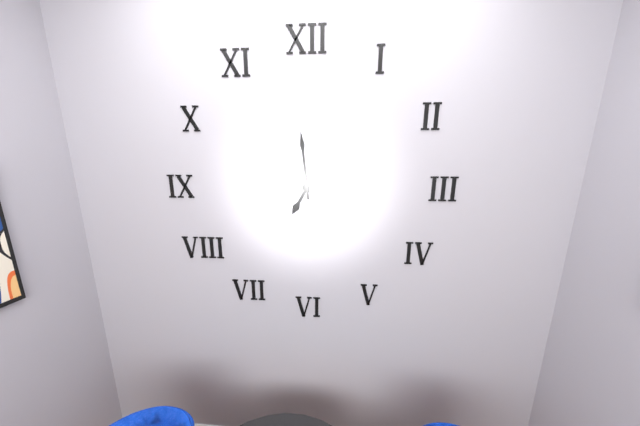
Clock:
h=6 m=59
